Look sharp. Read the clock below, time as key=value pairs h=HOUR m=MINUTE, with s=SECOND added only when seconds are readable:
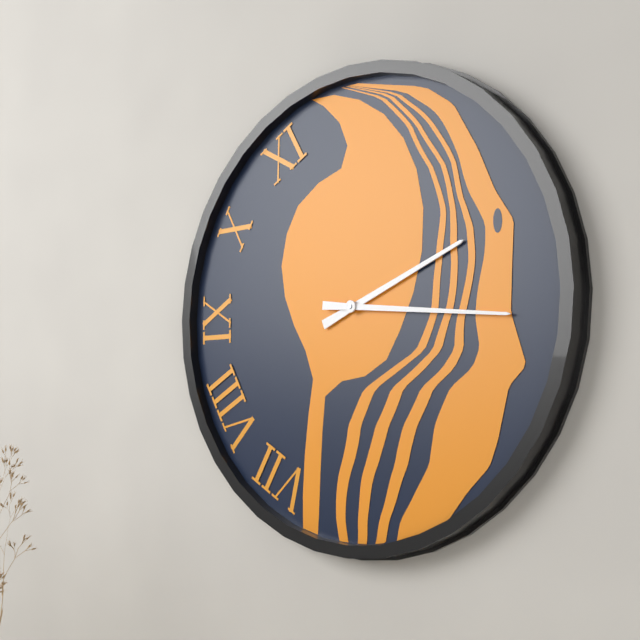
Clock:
h=2 m=16
